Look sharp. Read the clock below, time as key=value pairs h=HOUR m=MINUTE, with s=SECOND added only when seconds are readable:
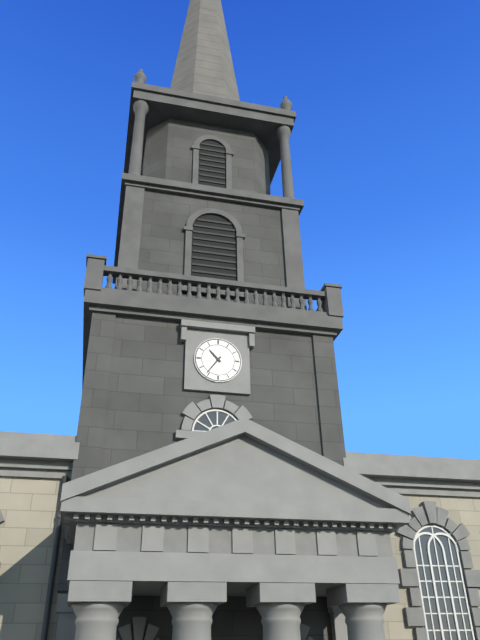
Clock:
h=10 m=36
